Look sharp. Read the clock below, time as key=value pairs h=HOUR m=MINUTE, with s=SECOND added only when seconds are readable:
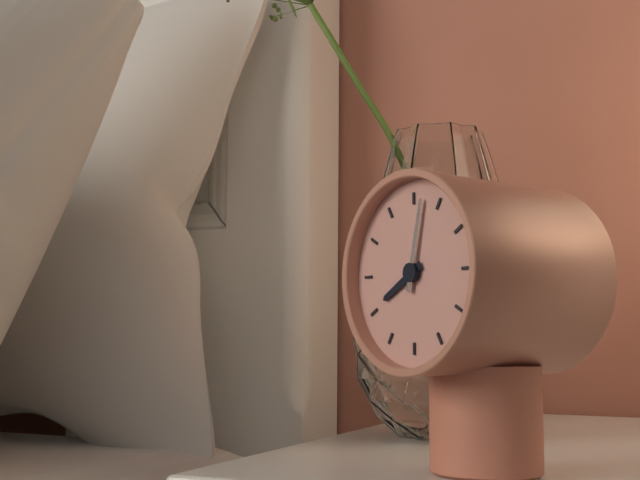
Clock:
h=8 m=2
